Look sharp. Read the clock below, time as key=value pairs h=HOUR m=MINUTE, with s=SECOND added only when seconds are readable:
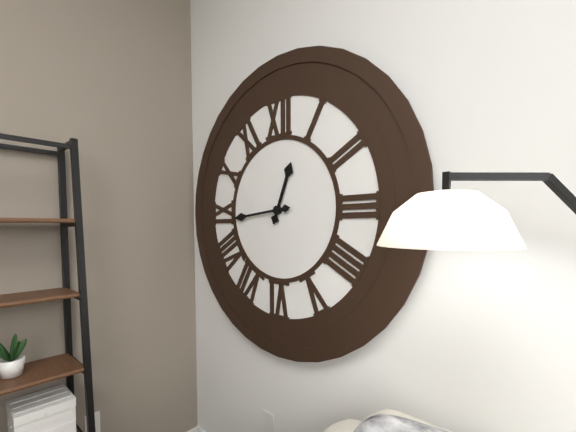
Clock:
h=12 m=44
